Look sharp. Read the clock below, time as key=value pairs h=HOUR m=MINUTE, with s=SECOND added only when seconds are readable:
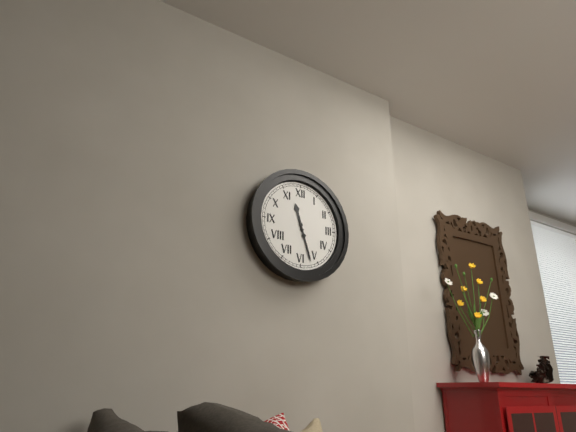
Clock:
h=11 m=27
